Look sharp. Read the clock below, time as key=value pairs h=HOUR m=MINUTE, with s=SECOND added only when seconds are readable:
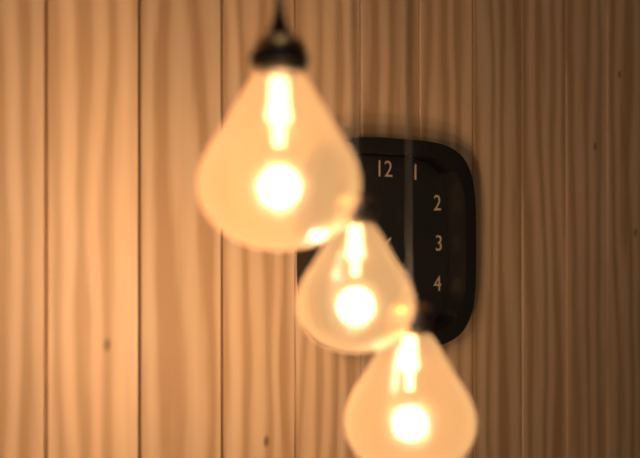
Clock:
h=4 m=38
